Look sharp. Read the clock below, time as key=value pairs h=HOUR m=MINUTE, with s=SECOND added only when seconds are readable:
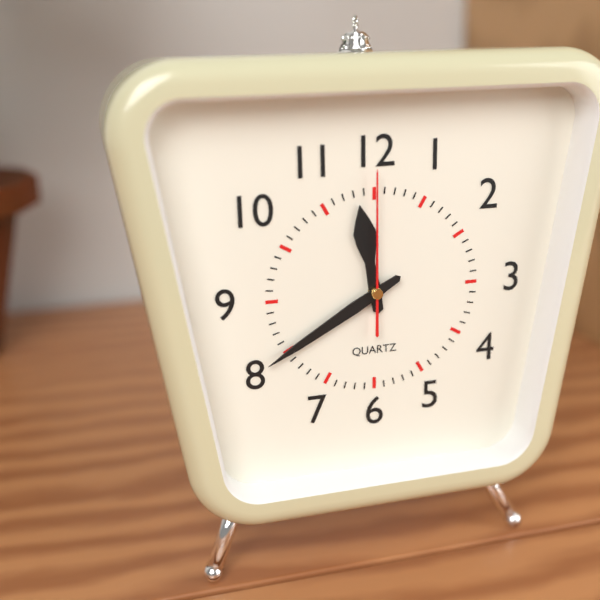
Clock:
h=11 m=40 s=0
